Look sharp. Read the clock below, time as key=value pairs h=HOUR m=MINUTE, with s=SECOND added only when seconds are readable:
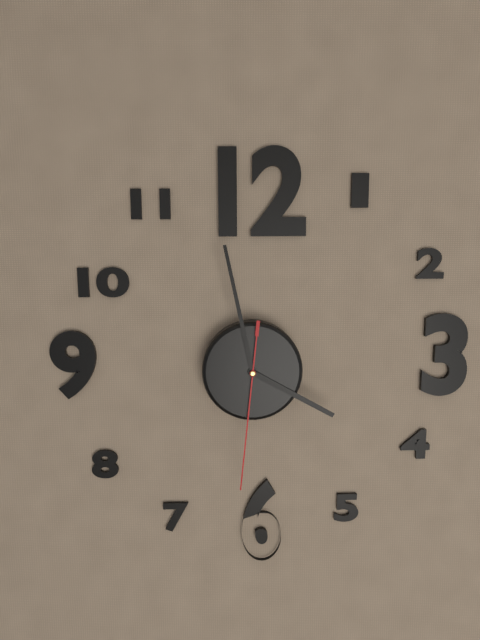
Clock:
h=3 m=58 s=31
